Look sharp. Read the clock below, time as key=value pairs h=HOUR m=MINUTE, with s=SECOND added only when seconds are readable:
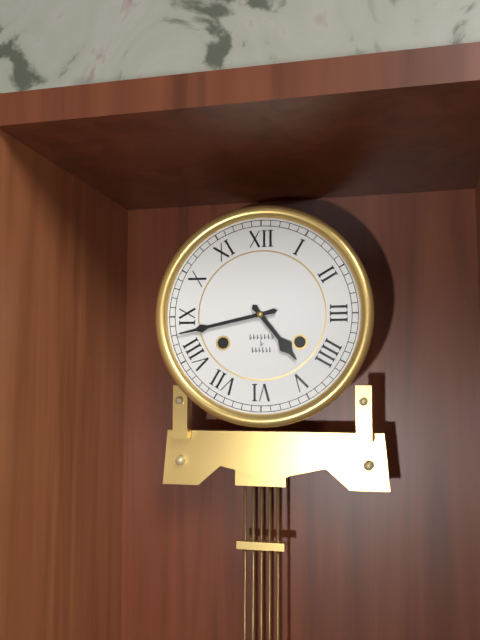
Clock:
h=4 m=43
